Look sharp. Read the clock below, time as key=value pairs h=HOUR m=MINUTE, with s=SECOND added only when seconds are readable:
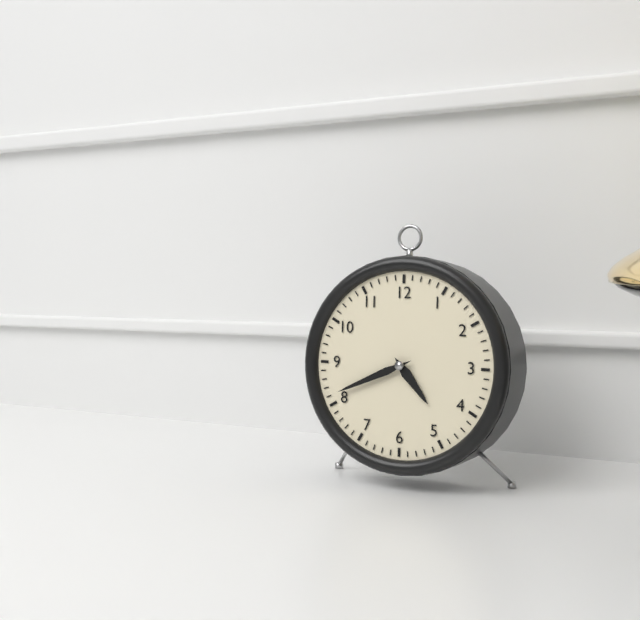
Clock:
h=4 m=41
